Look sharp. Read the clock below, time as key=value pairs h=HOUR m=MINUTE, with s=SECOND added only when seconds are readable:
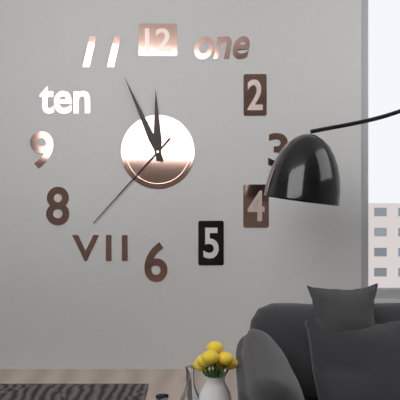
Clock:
h=11 m=56 s=37
